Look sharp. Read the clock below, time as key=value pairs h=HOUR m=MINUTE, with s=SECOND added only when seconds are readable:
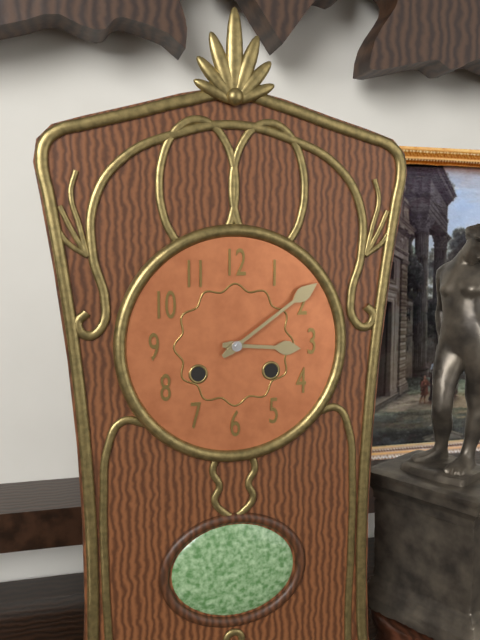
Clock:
h=3 m=9
